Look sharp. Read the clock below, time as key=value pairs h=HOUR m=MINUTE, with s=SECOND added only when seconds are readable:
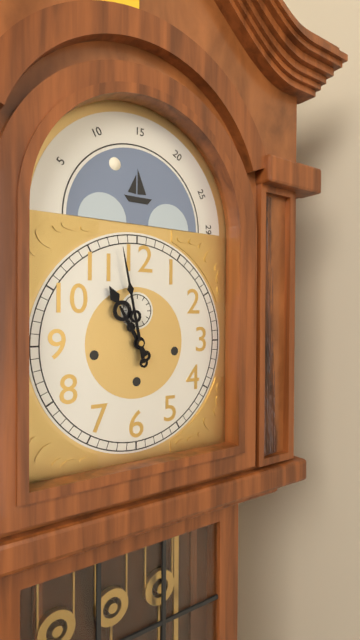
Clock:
h=10 m=58
